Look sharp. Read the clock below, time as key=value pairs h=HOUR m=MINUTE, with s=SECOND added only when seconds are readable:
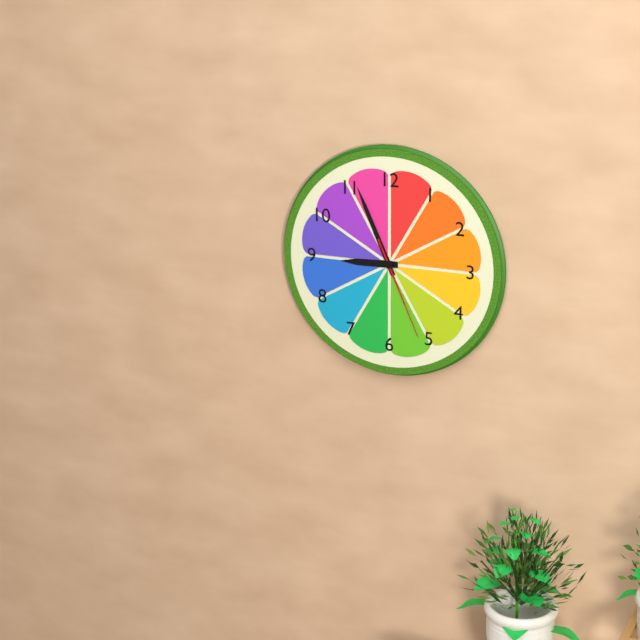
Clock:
h=8 m=56 s=26
